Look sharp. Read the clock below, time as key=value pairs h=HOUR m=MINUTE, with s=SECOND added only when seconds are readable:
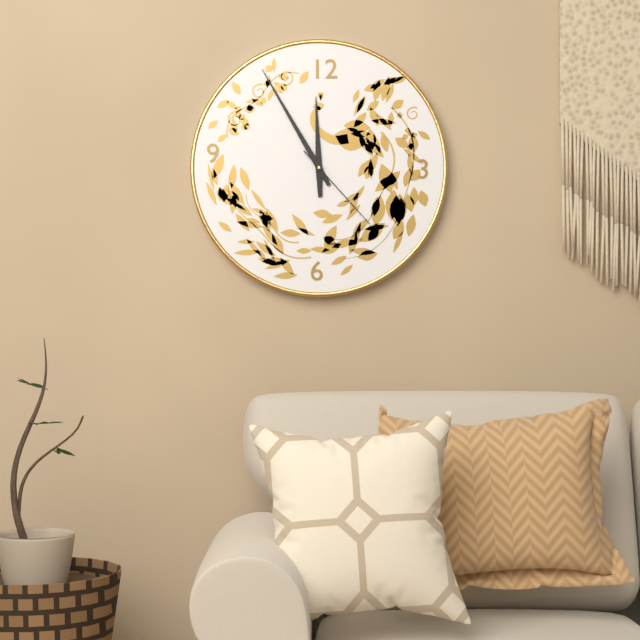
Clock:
h=11 m=55 s=23
